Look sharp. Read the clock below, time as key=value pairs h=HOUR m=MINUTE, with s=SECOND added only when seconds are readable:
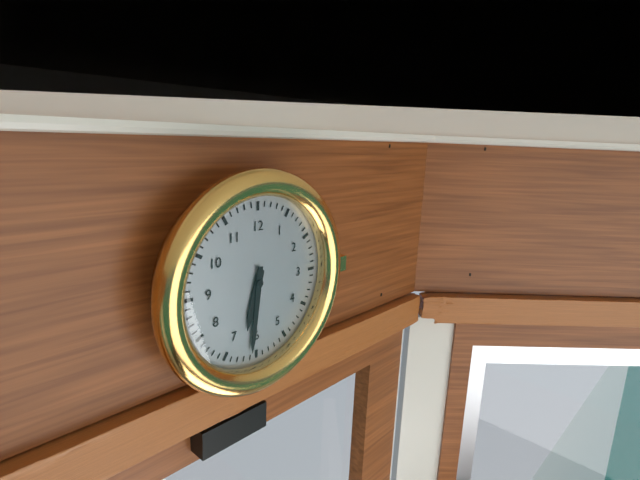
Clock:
h=6 m=31
